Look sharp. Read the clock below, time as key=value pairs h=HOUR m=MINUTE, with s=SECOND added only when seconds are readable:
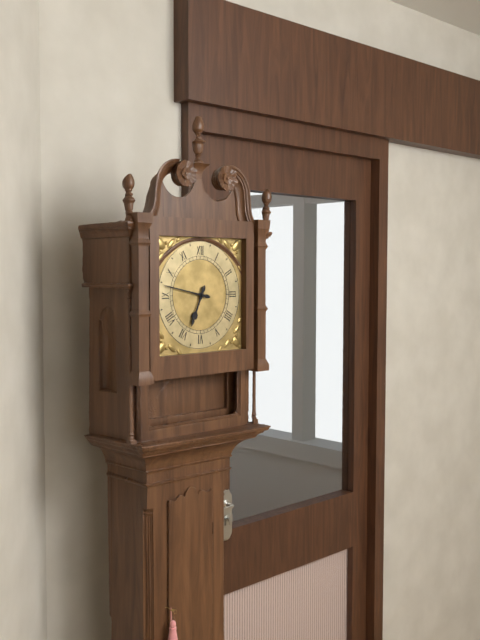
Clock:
h=6 m=47
